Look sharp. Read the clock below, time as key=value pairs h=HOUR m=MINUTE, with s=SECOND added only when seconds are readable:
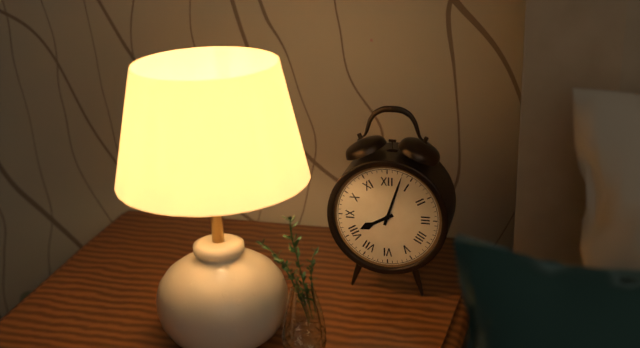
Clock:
h=8 m=3
